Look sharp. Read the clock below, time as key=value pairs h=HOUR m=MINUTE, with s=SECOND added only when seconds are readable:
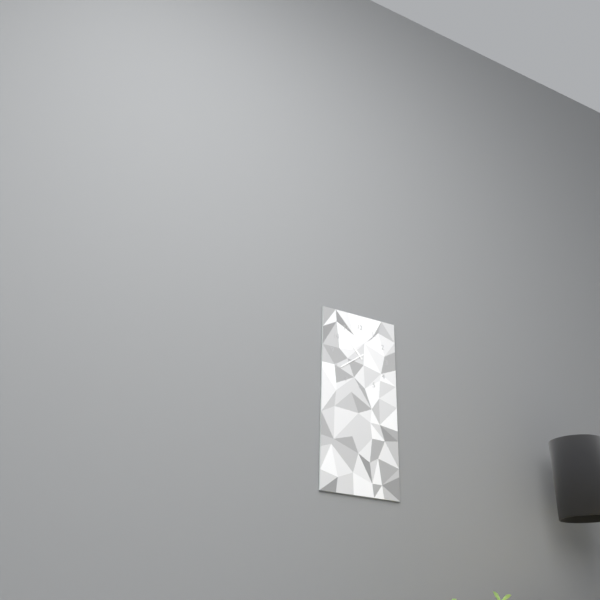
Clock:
h=10 m=39
